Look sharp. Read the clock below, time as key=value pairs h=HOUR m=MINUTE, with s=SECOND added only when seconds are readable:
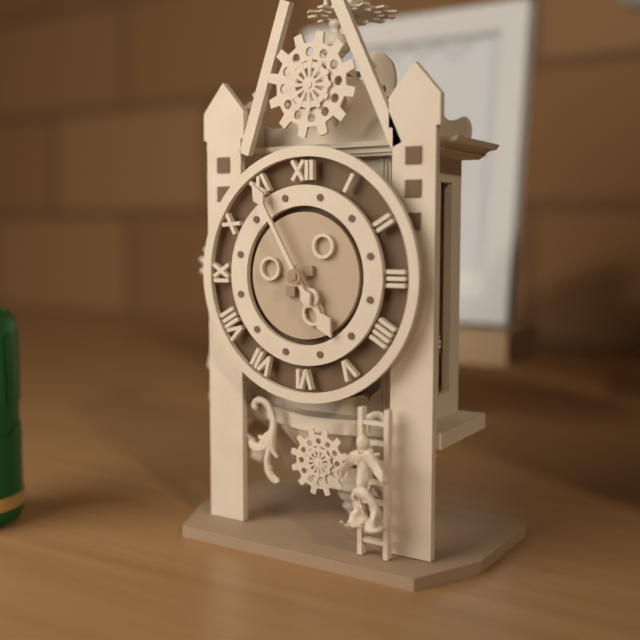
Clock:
h=4 m=55
